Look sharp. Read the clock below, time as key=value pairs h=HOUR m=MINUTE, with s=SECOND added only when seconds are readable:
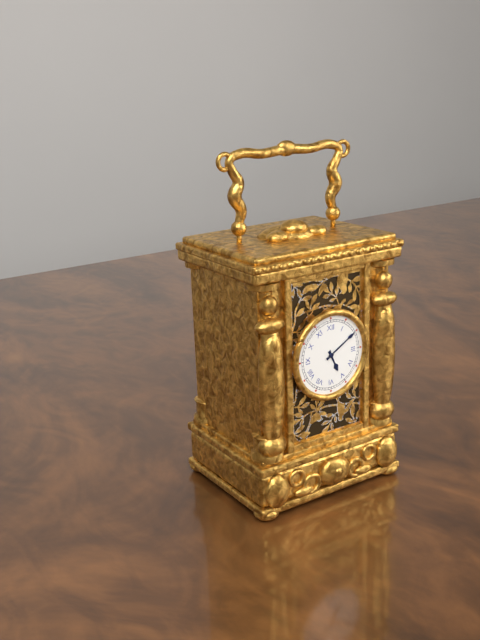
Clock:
h=5 m=10
